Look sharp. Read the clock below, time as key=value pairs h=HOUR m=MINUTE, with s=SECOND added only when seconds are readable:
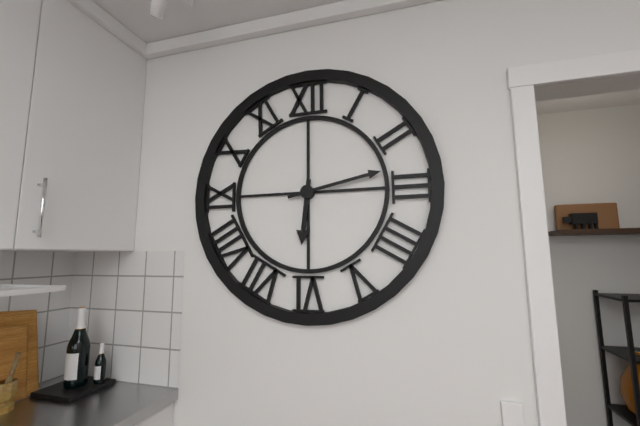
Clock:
h=6 m=13
